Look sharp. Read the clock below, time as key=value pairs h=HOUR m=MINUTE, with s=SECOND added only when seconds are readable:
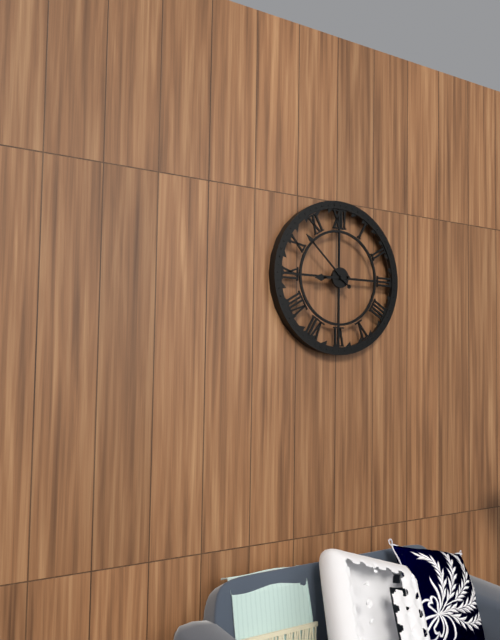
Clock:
h=8 m=52
